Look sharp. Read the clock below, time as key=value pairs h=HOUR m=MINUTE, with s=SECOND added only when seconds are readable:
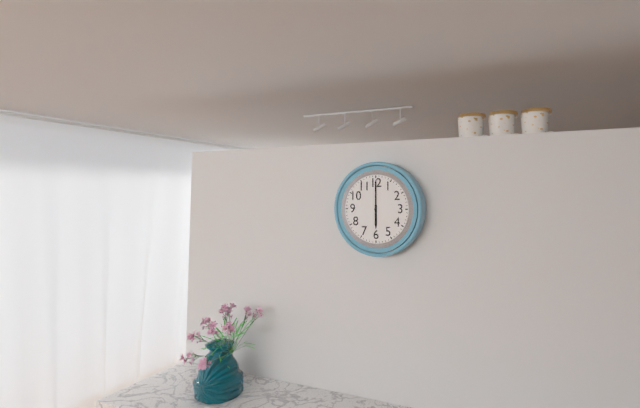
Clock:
h=6 m=0
